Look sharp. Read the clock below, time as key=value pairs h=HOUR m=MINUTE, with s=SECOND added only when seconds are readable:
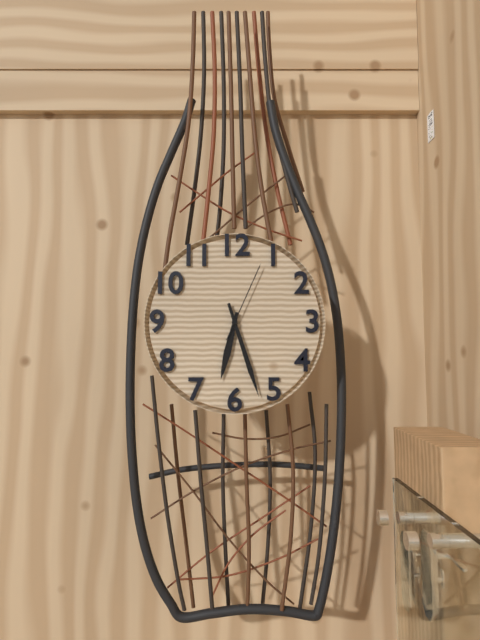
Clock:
h=6 m=27 s=4
